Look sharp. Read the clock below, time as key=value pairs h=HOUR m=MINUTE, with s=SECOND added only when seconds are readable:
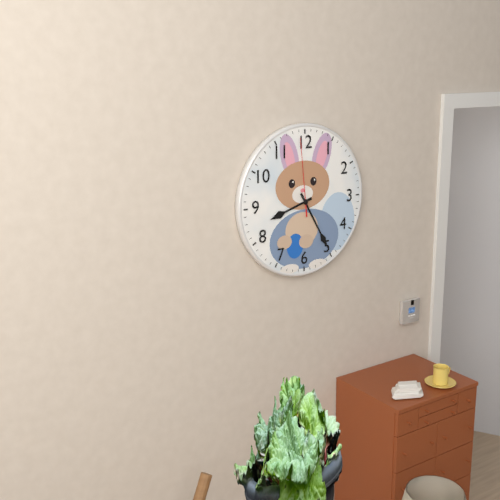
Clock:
h=8 m=25 s=59
